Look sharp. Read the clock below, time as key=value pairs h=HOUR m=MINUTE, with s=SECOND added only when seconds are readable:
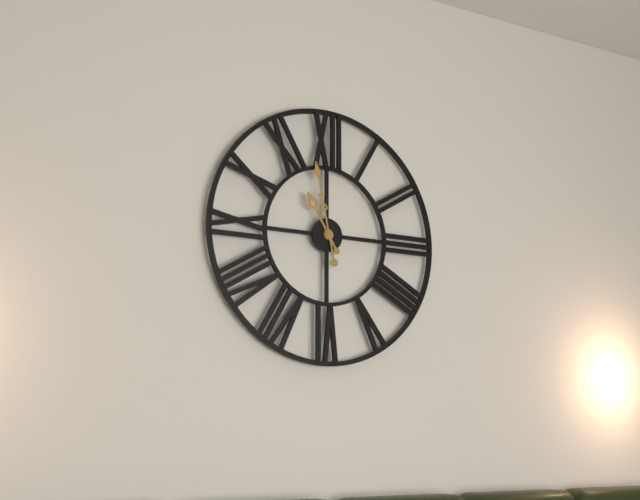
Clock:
h=10 m=58
